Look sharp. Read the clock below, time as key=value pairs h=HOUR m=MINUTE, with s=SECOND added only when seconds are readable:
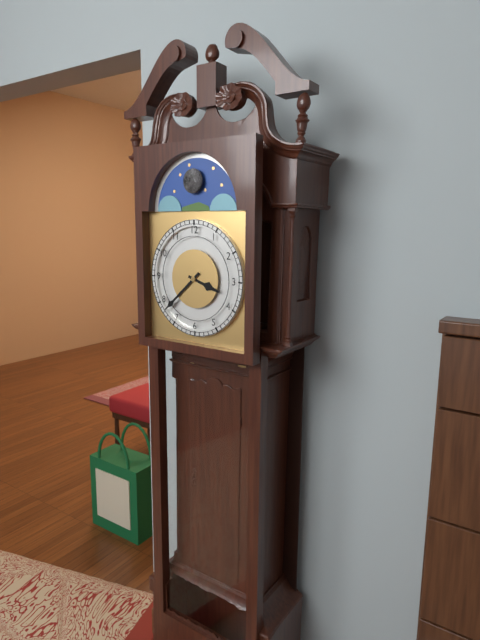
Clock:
h=3 m=38
